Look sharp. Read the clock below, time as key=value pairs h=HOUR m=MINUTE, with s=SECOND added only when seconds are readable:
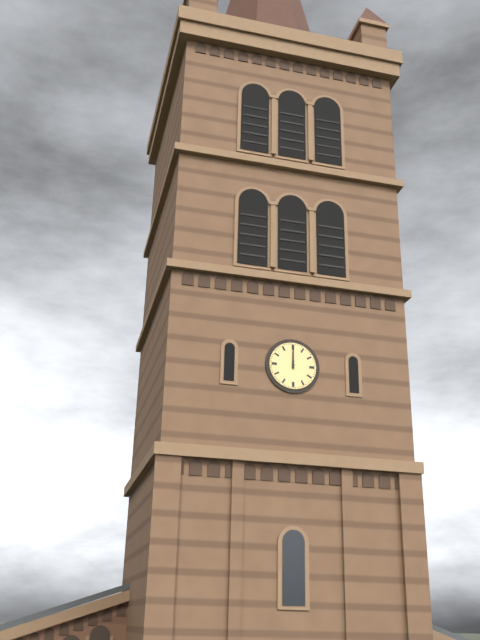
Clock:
h=12 m=0
